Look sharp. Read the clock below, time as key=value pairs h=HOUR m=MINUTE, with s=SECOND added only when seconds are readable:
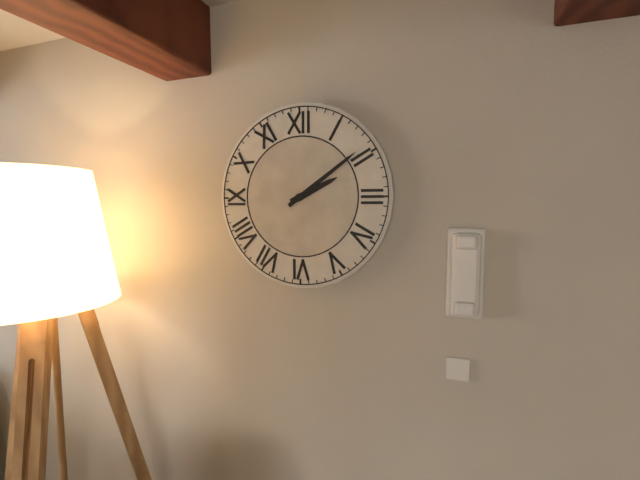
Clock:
h=2 m=9
